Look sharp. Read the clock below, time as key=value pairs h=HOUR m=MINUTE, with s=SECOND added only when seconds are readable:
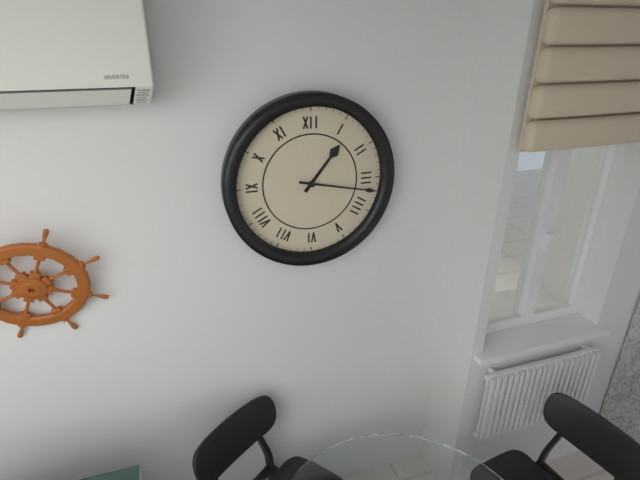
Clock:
h=1 m=17
